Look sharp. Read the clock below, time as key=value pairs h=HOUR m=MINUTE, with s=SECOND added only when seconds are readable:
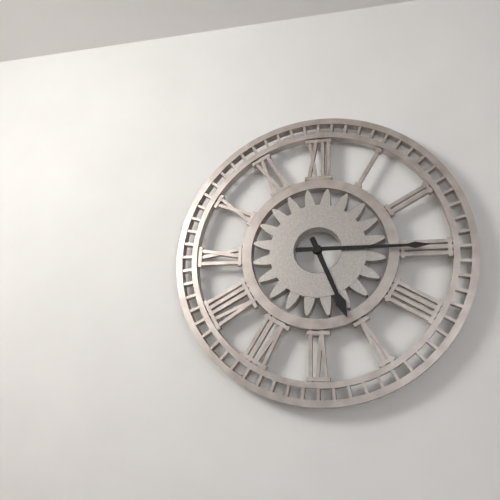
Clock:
h=5 m=15
